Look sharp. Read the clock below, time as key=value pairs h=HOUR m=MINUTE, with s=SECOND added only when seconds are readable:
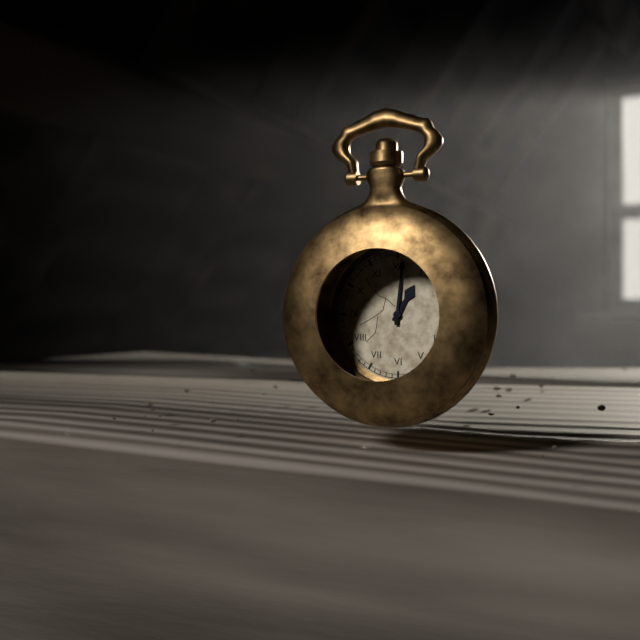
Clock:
h=1 m=1
